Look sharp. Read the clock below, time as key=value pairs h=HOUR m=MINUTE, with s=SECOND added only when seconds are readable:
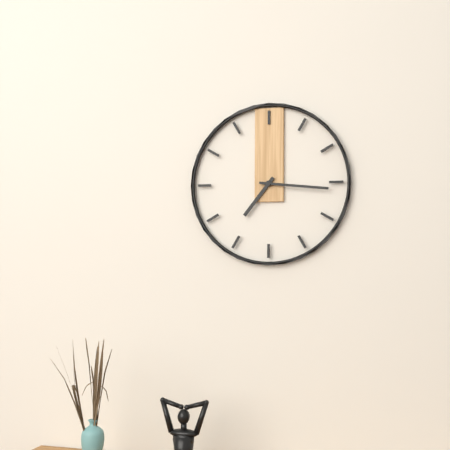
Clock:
h=7 m=16
